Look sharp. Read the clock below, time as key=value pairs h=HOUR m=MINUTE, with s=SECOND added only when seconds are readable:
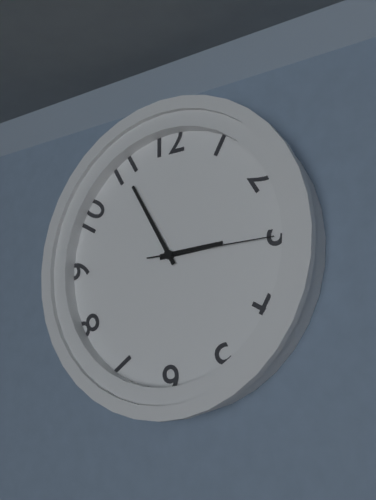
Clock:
h=2 m=55 s=15
